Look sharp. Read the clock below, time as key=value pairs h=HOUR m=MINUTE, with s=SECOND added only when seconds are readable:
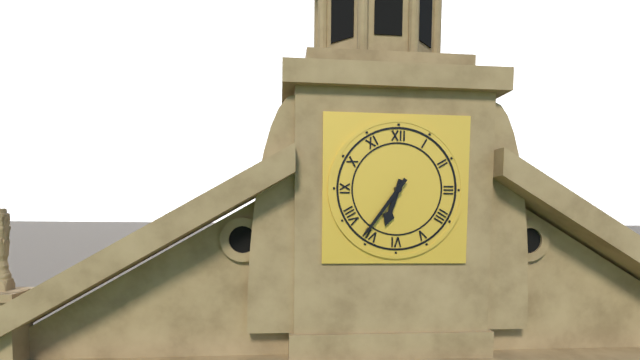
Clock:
h=6 m=36
